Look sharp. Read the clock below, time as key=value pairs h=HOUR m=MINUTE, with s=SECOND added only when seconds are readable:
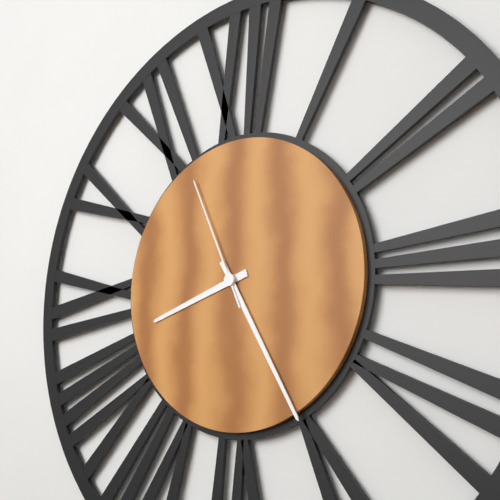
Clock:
h=8 m=25 s=56
